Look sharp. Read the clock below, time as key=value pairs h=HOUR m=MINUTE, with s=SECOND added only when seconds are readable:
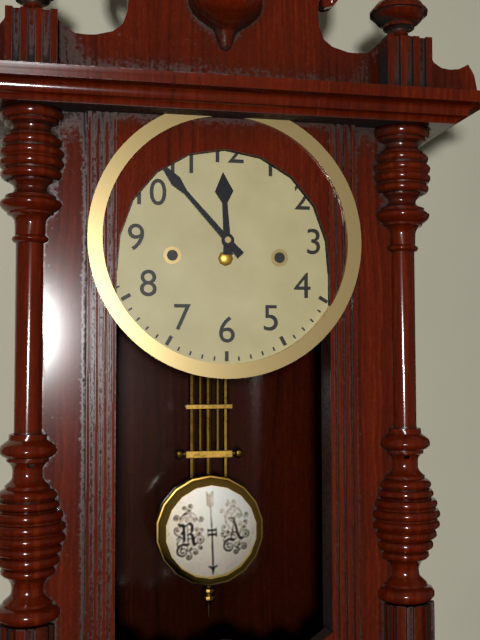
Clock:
h=11 m=53
